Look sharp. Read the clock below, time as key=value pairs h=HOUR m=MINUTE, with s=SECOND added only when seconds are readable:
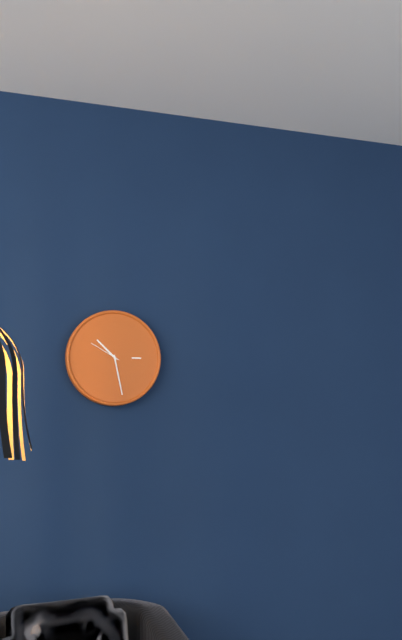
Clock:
h=10 m=28
